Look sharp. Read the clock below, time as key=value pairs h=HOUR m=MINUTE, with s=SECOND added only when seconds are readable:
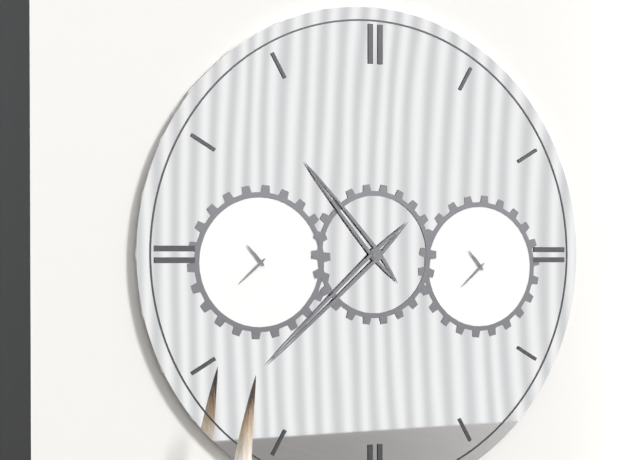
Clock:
h=10 m=38
